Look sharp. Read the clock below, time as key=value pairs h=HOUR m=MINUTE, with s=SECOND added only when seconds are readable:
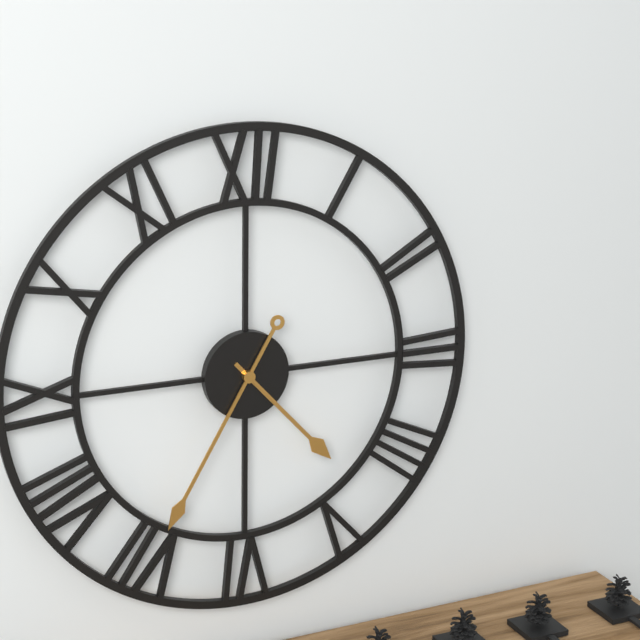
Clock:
h=4 m=35
